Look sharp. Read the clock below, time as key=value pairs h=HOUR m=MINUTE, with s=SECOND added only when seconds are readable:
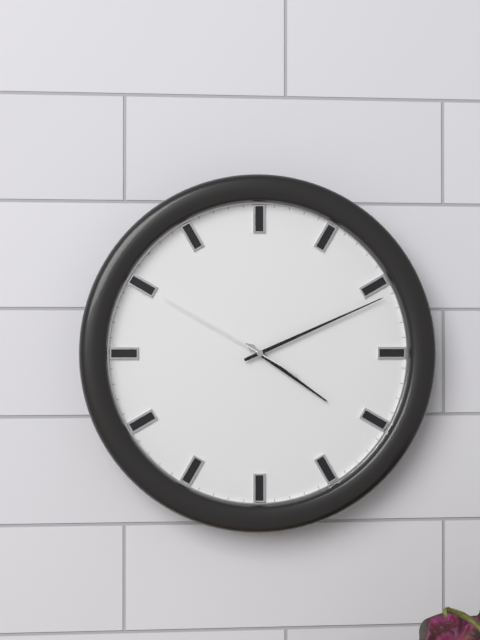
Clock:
h=4 m=11 s=50
